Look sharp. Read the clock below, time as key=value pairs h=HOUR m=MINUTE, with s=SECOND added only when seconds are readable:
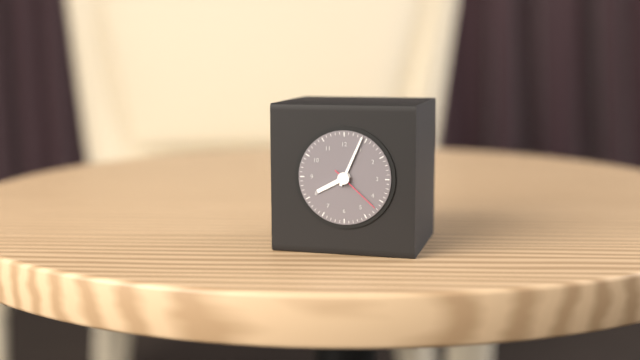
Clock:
h=8 m=4 s=22
